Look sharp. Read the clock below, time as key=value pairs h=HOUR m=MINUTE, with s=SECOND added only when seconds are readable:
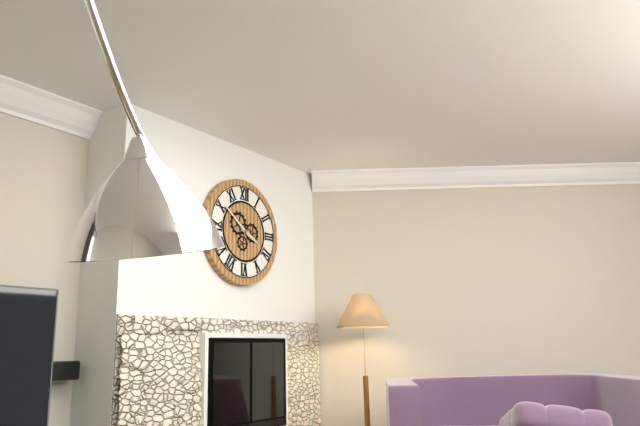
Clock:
h=3 m=51
